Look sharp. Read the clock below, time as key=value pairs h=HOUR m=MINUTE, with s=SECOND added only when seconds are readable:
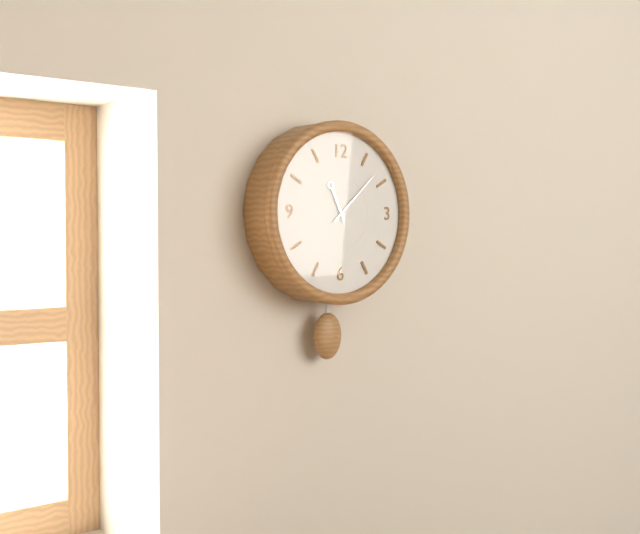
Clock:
h=11 m=8
